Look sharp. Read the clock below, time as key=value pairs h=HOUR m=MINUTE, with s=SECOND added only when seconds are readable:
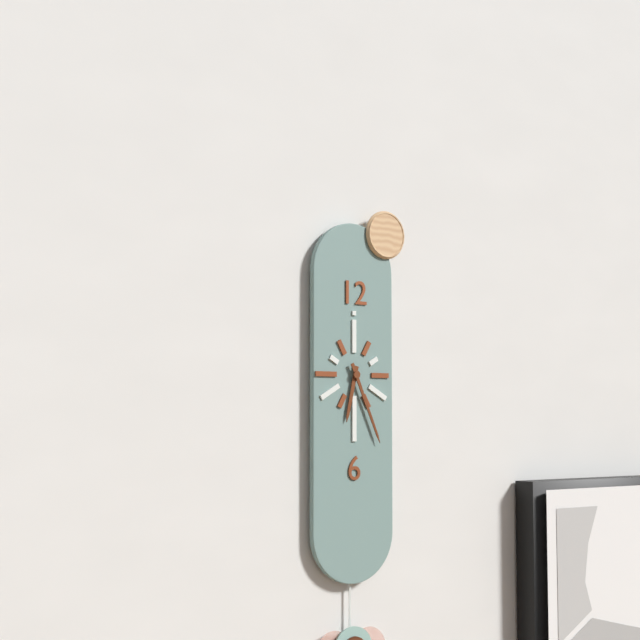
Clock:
h=6 m=26
